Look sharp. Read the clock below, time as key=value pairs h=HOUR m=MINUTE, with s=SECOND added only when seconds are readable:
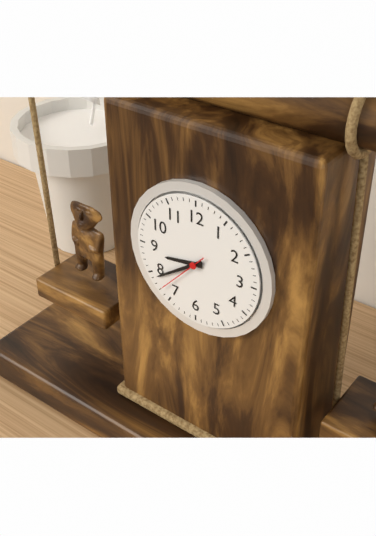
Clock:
h=8 m=39 s=37
